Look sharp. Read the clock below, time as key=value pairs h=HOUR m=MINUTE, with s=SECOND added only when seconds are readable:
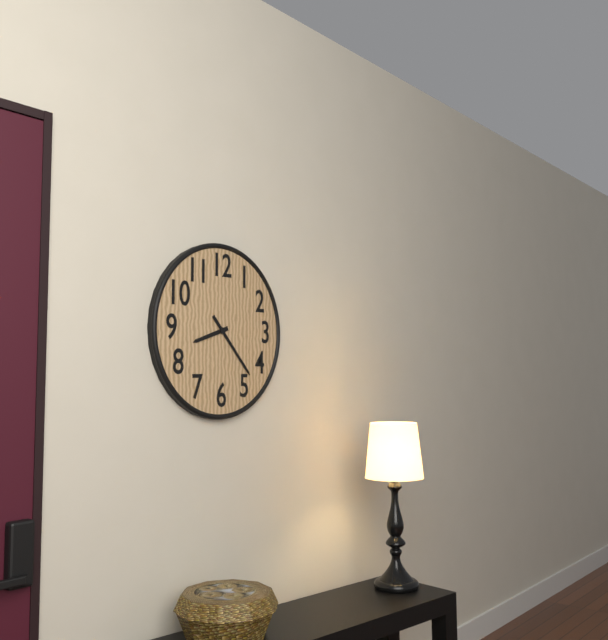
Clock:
h=8 m=23
